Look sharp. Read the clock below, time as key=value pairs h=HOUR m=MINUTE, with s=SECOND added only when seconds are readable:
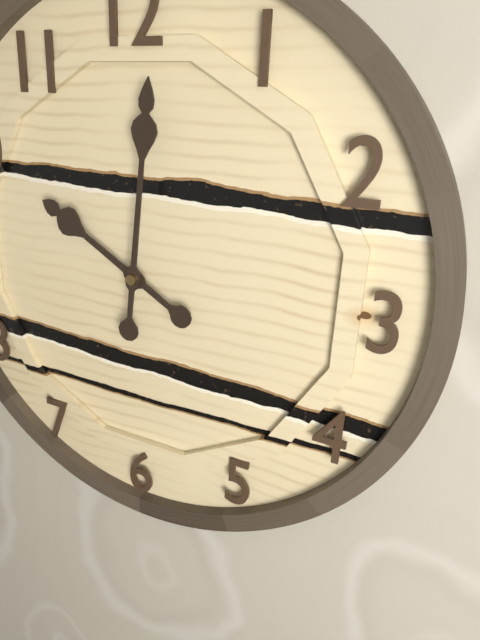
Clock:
h=10 m=1
